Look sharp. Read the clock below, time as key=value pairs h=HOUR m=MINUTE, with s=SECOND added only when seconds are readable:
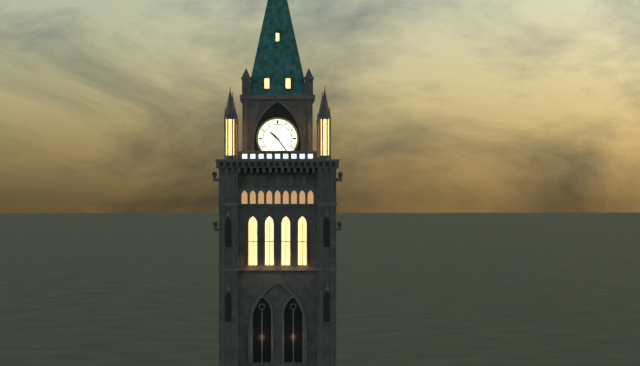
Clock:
h=10 m=24
